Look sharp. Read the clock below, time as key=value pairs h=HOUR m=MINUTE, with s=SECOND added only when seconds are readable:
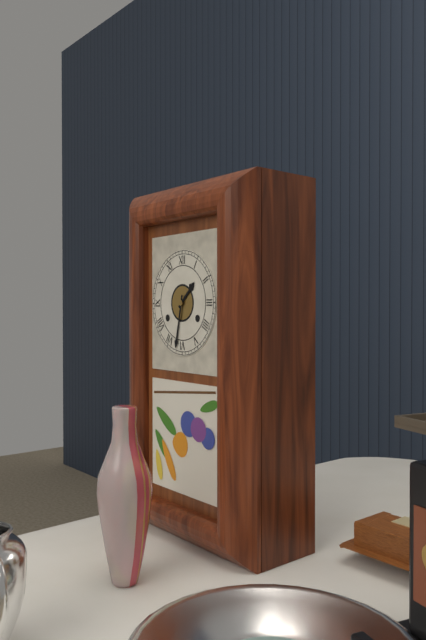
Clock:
h=1 m=32
